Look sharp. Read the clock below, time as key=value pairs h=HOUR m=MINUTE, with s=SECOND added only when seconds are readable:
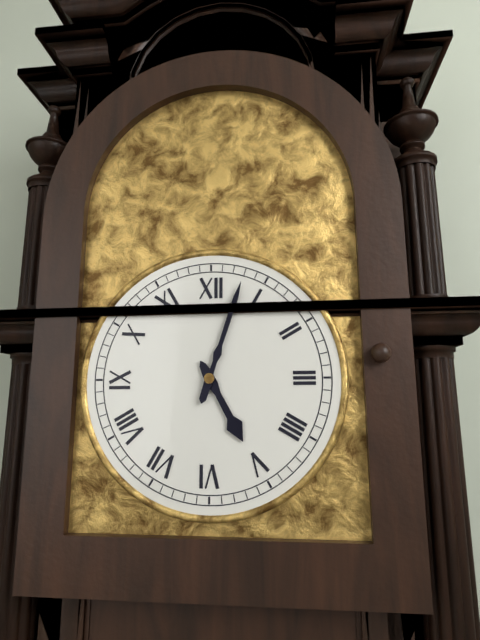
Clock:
h=5 m=3
